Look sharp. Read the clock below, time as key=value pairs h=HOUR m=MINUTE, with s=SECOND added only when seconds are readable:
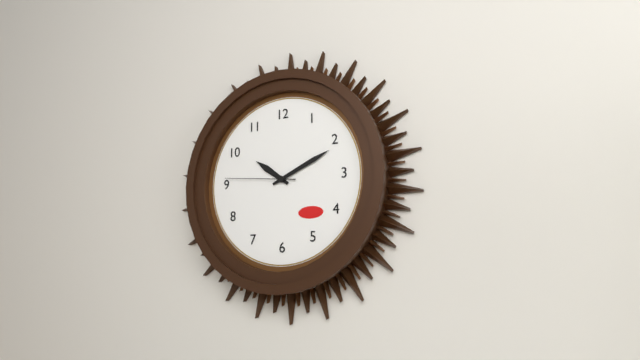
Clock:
h=10 m=11 s=46
